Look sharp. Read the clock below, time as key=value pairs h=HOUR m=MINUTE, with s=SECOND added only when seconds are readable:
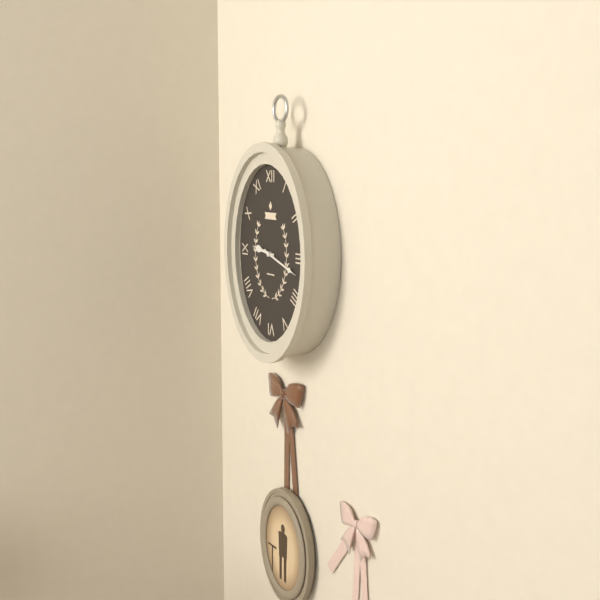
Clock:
h=9 m=18
